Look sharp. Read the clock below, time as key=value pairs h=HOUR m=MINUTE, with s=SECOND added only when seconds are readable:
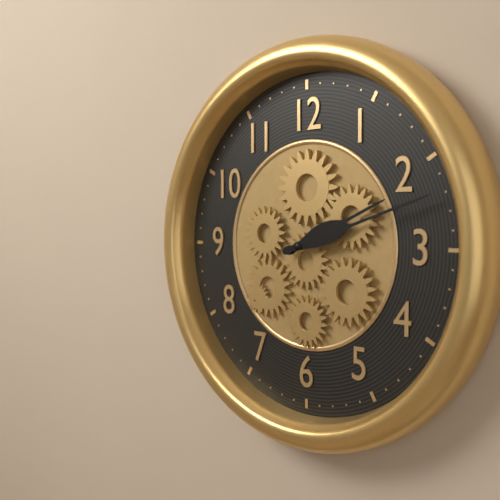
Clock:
h=2 m=12
